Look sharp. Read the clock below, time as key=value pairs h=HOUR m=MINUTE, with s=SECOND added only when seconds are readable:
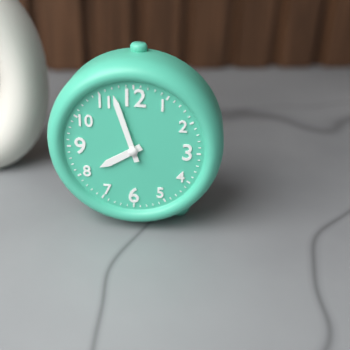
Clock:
h=7 m=57
